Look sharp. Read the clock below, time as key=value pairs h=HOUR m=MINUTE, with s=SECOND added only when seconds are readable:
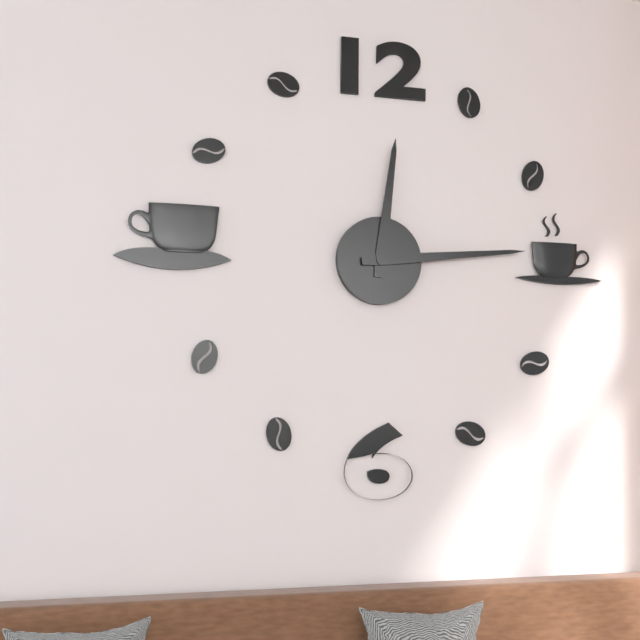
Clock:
h=12 m=14
